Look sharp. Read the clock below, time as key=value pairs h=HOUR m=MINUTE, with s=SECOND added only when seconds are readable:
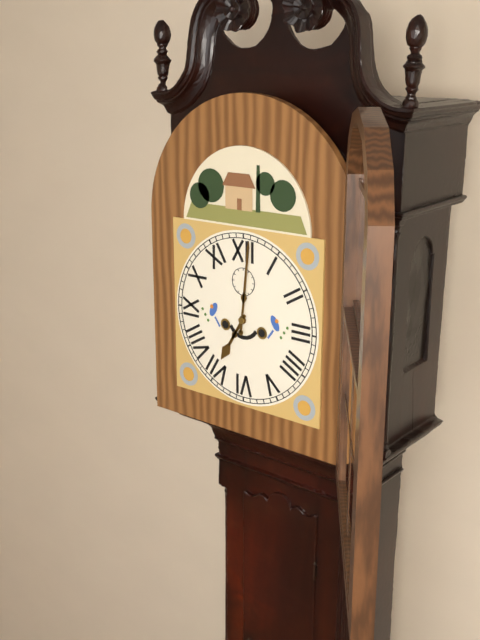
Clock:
h=7 m=1
